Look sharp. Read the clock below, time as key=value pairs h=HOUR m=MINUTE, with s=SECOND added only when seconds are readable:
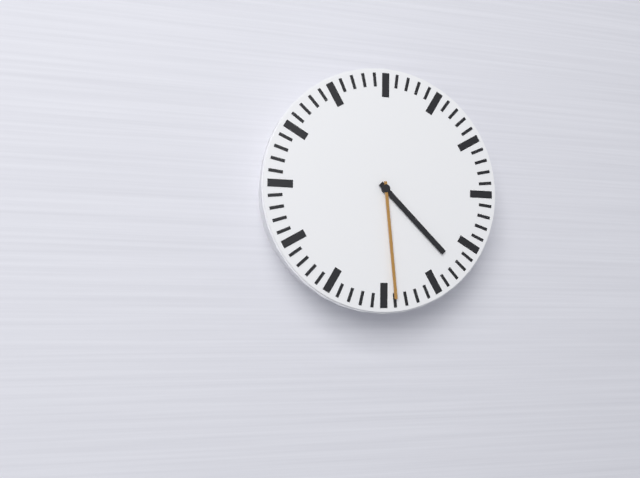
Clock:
h=4 m=29
